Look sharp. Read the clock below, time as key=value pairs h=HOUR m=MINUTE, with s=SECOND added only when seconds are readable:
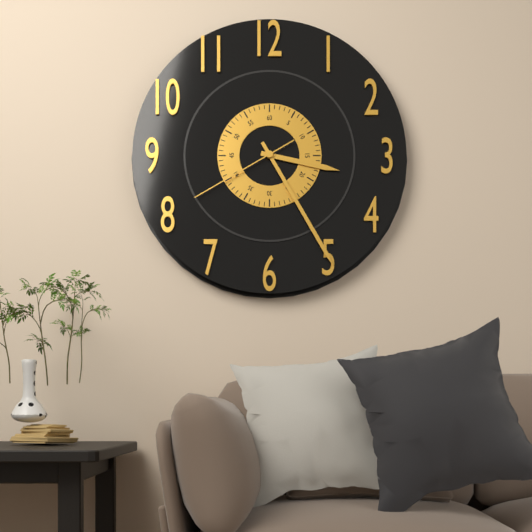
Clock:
h=3 m=25 s=40
